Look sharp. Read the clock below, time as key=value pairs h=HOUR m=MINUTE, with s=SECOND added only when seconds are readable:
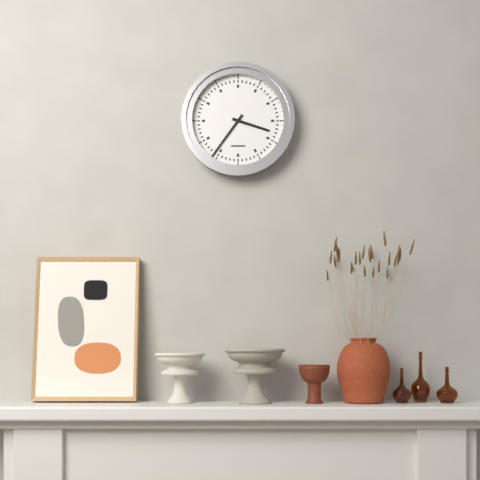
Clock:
h=3 m=36
